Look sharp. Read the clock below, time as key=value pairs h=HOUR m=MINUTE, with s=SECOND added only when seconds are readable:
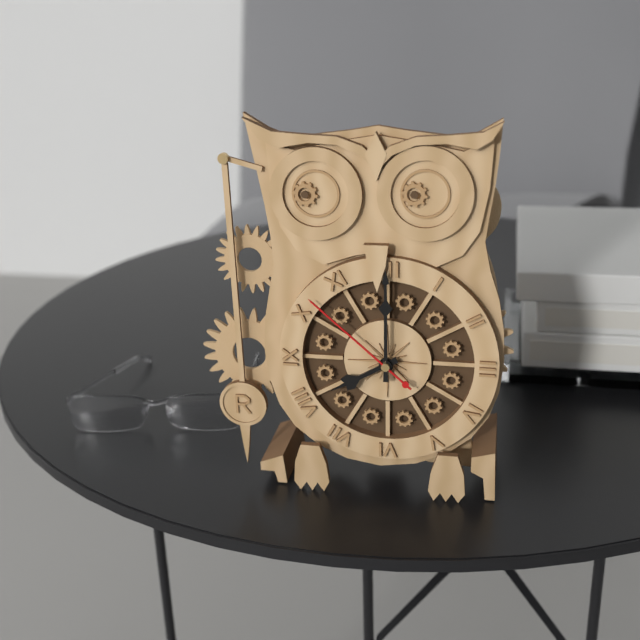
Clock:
h=8 m=0 s=52
